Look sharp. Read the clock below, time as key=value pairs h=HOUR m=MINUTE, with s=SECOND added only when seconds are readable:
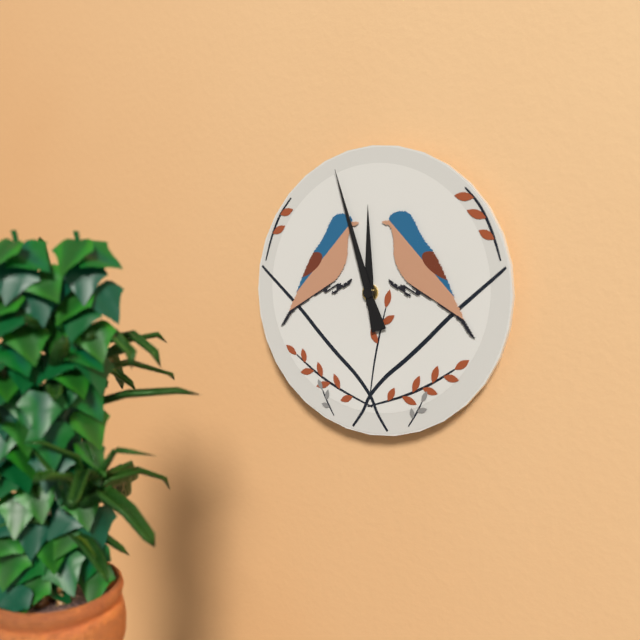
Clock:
h=11 m=57
